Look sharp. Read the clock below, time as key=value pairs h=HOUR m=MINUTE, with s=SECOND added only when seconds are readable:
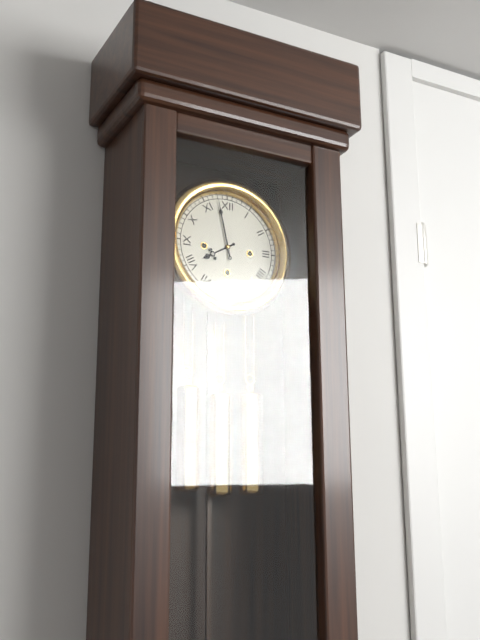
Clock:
h=7 m=58
